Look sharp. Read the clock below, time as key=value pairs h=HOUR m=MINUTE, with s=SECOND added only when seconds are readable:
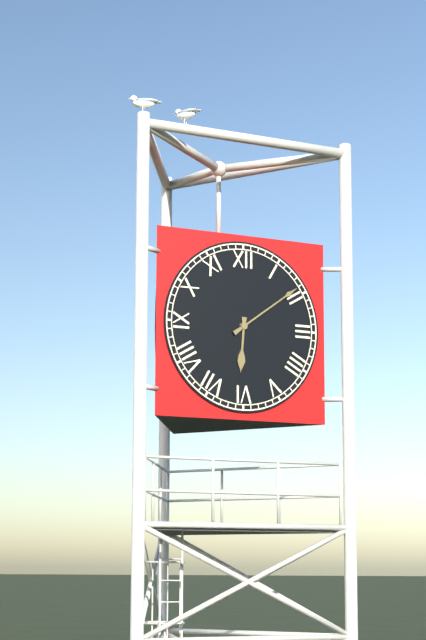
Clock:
h=6 m=9
